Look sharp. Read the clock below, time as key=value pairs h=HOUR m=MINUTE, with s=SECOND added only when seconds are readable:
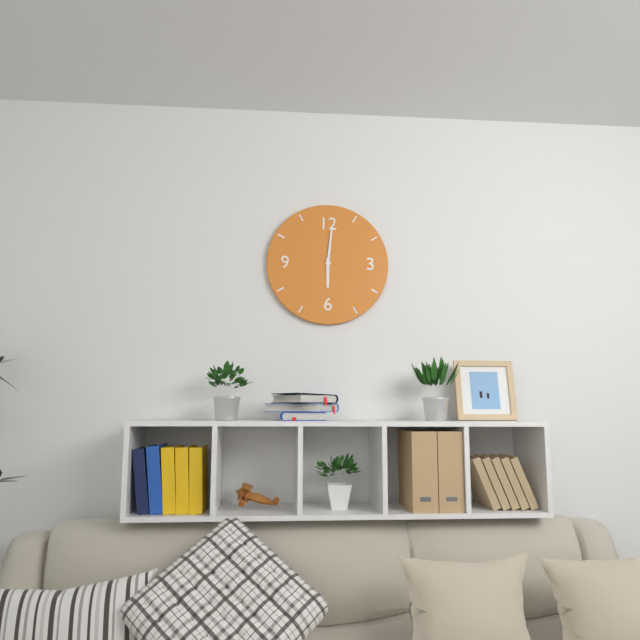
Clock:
h=6 m=1
